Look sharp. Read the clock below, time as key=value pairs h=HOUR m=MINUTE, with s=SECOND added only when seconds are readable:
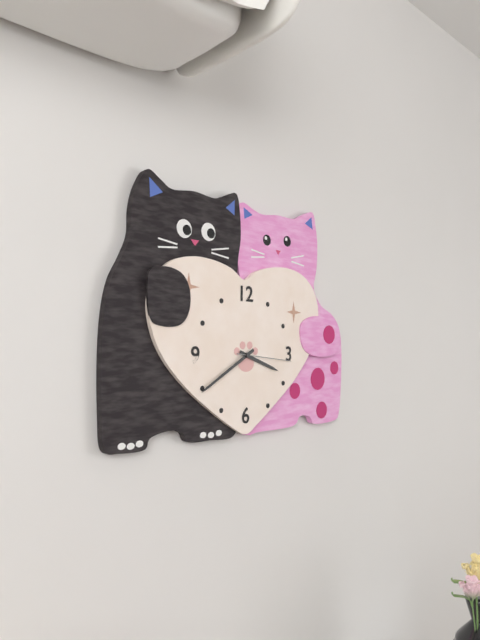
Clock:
h=3 m=40 s=16
